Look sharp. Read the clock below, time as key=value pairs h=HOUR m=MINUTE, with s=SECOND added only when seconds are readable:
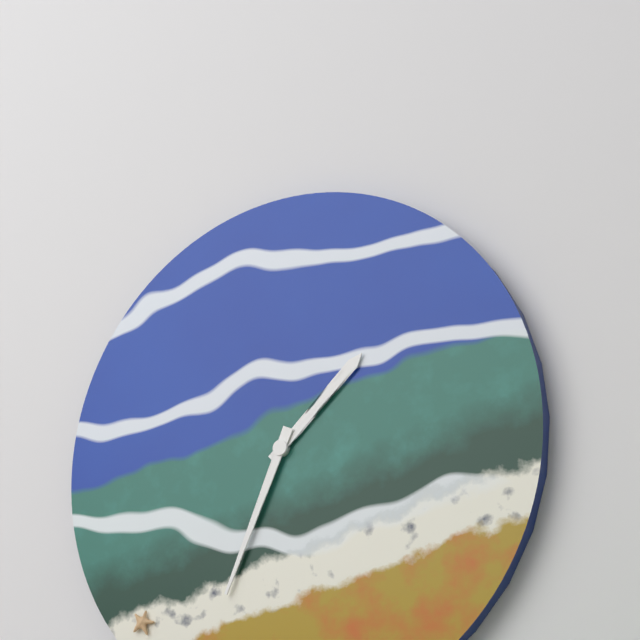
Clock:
h=1 m=34
